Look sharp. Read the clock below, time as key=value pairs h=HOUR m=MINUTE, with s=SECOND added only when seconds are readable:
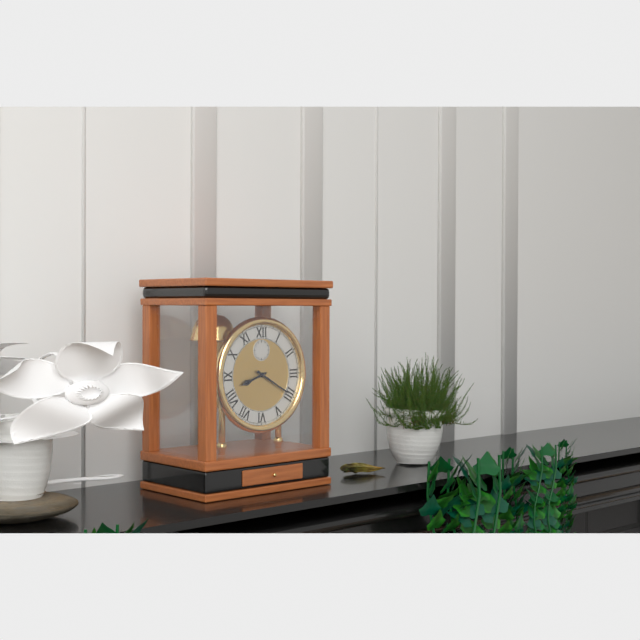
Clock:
h=8 m=20
